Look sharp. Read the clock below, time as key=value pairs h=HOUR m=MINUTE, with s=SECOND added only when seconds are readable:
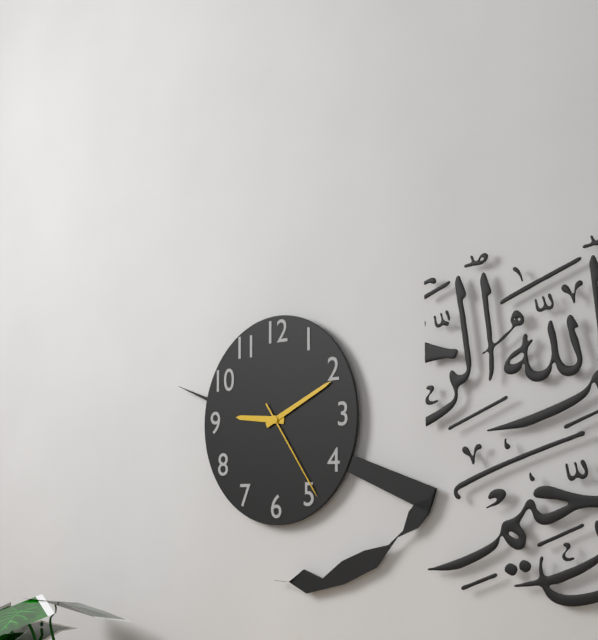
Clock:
h=9 m=11 s=24
